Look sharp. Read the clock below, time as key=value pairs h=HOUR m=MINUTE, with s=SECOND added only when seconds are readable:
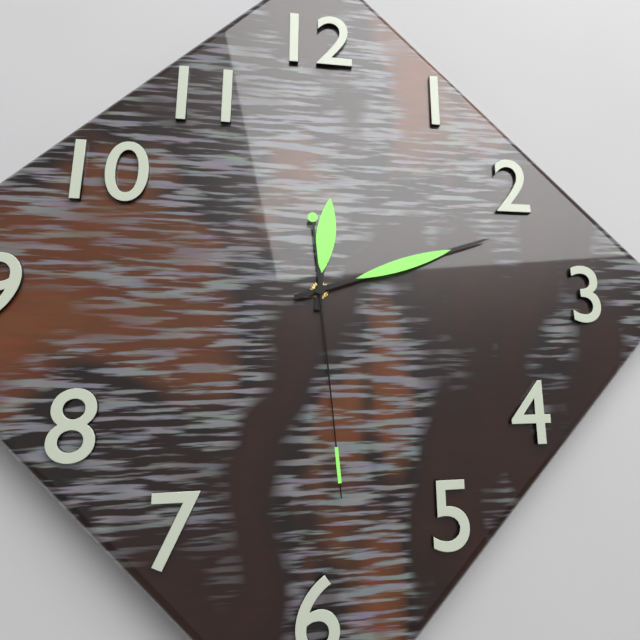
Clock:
h=12 m=12 s=29
